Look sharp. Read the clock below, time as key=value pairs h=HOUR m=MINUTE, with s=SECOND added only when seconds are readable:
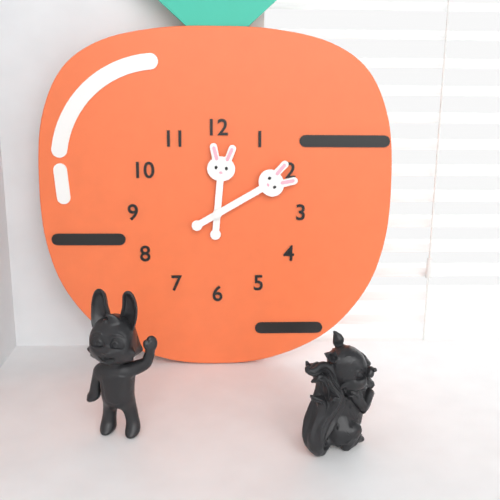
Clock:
h=12 m=10
